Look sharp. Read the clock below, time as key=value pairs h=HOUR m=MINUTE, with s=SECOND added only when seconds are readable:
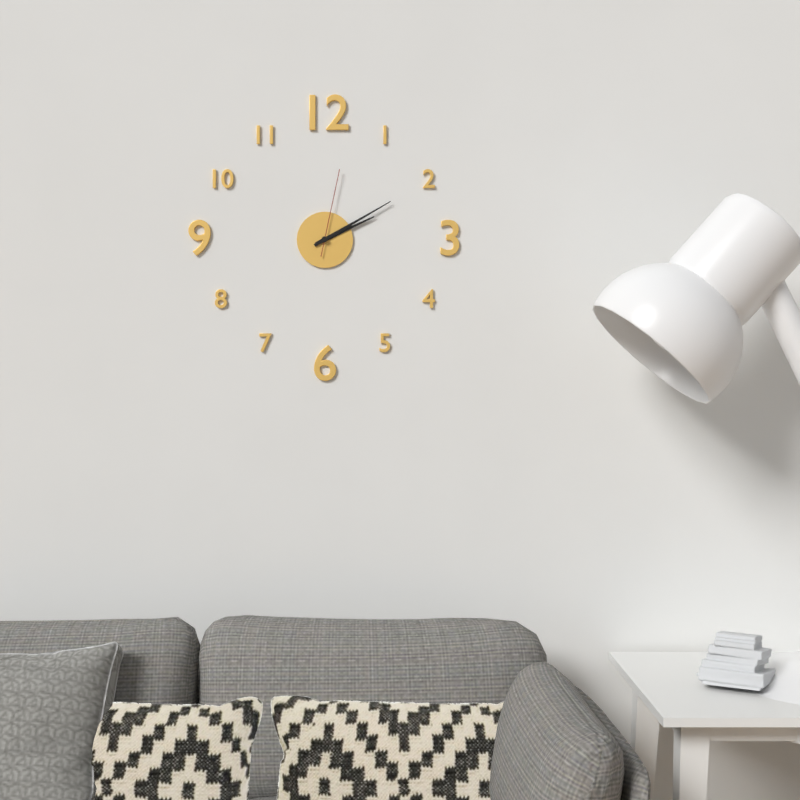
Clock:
h=2 m=10 s=2
